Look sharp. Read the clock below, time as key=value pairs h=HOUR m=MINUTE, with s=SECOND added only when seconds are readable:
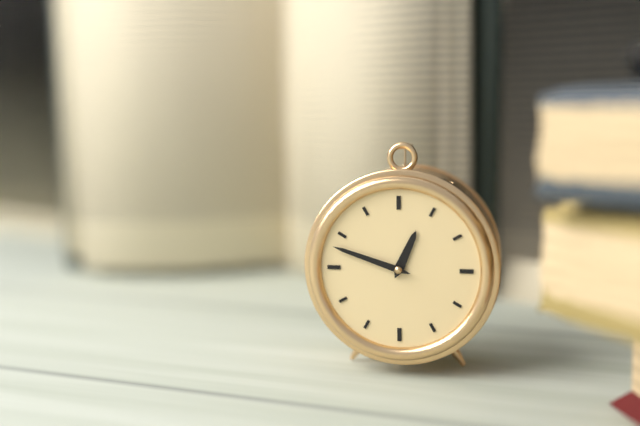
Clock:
h=12 m=48
